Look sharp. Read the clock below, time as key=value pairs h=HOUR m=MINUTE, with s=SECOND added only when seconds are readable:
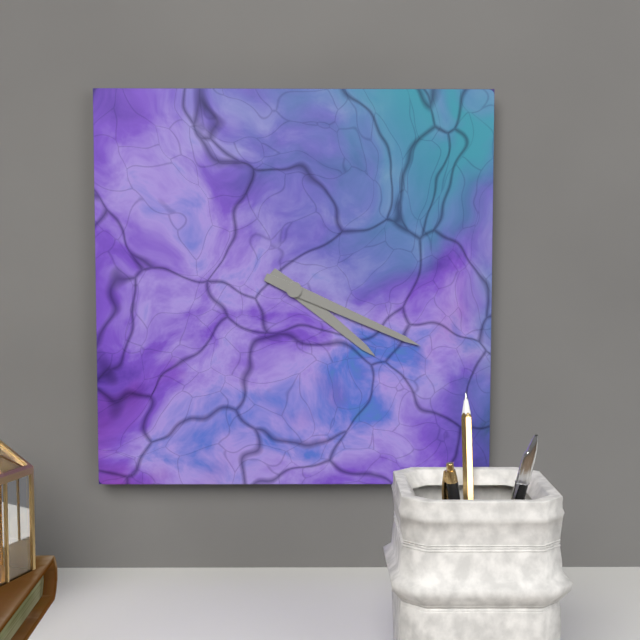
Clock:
h=4 m=19
